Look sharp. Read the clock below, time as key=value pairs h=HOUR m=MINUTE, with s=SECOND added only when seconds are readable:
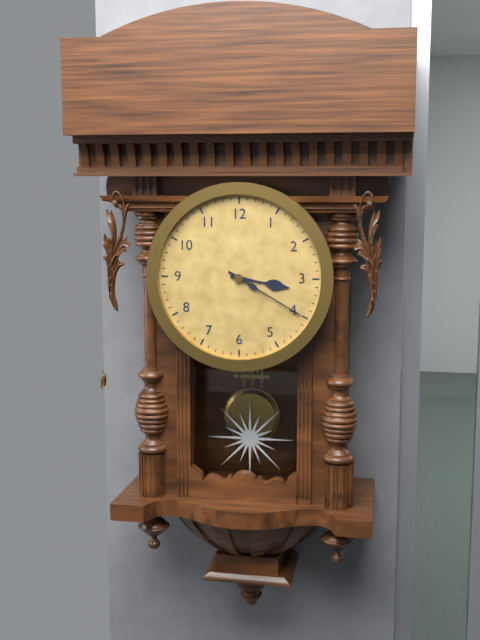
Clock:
h=3 m=20
